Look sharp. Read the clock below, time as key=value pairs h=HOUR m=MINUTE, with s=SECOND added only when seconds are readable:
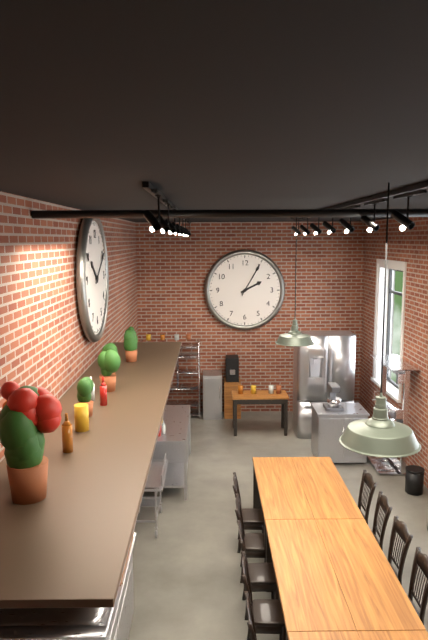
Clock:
h=2 m=5
